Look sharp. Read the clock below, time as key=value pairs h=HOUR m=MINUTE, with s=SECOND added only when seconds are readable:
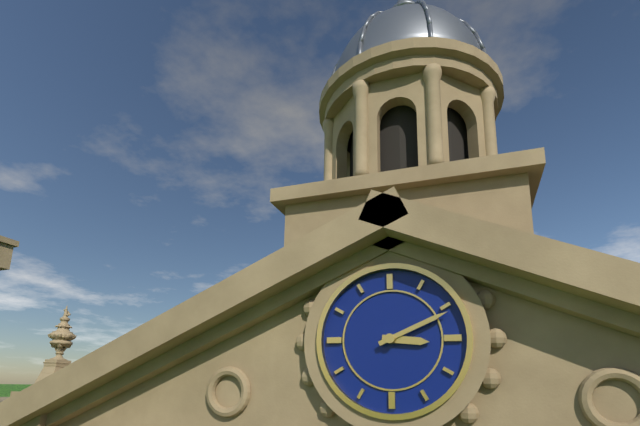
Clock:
h=3 m=11
